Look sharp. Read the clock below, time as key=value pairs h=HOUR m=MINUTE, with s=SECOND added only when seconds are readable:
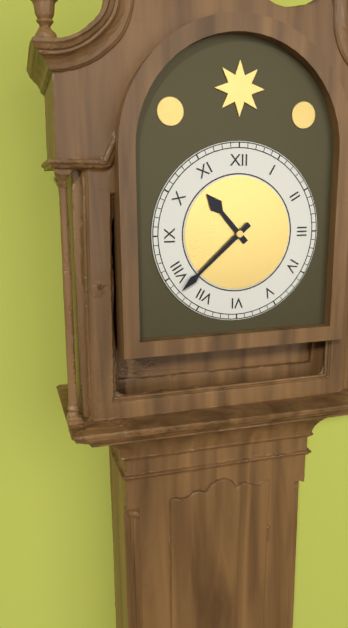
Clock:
h=10 m=38
